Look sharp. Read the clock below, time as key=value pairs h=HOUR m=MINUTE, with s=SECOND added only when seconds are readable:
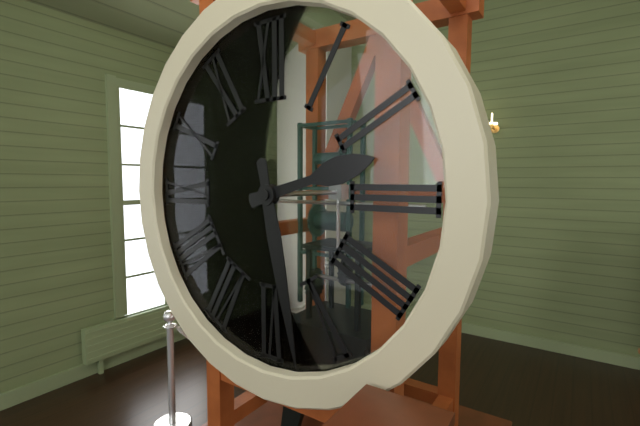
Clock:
h=2 m=28
